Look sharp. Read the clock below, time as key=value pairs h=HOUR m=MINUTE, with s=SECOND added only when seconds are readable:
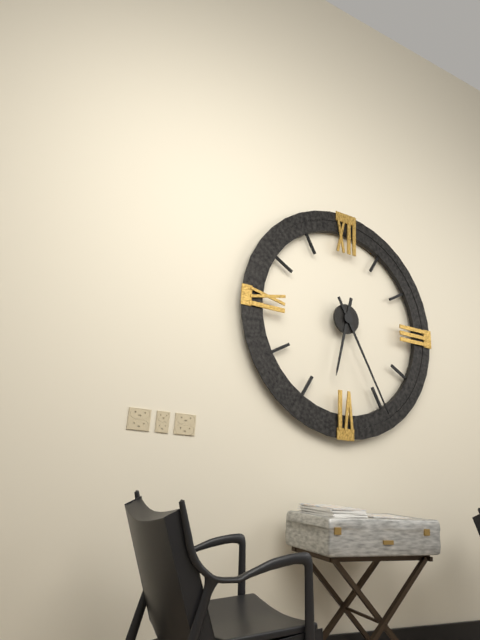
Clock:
h=6 m=25
